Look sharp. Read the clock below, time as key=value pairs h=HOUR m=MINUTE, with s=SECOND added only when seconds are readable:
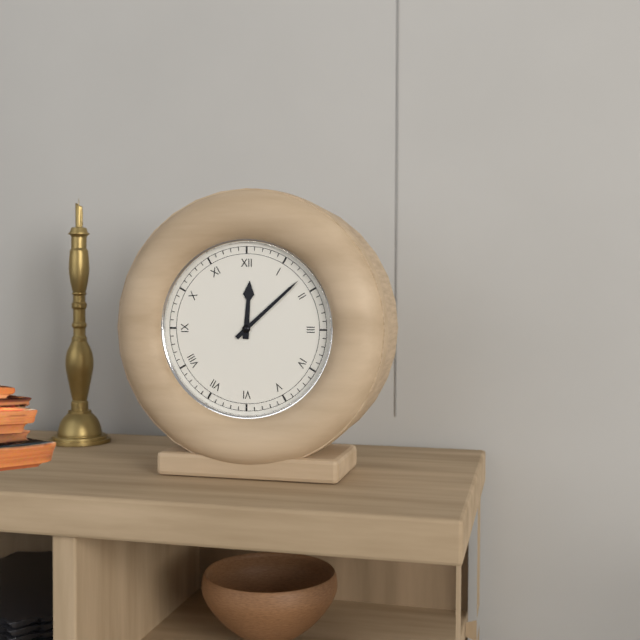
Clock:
h=12 m=8
